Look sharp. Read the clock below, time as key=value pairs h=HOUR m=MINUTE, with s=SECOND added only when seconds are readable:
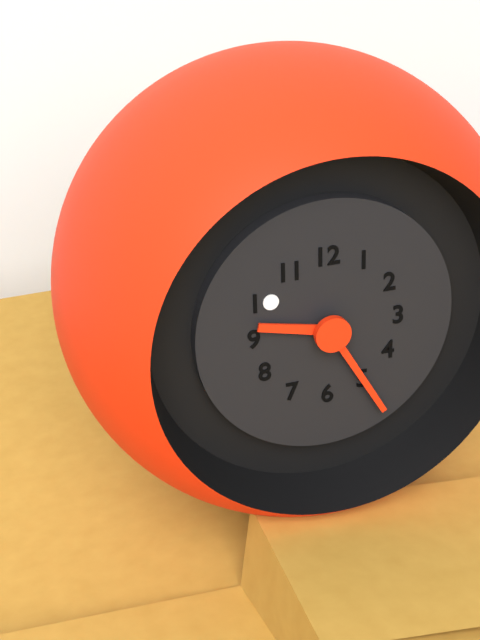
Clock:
h=9 m=25
